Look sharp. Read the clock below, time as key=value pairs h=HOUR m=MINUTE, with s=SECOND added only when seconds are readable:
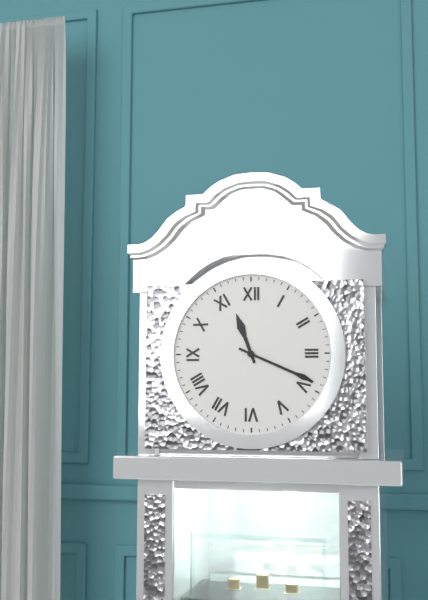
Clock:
h=11 m=19
